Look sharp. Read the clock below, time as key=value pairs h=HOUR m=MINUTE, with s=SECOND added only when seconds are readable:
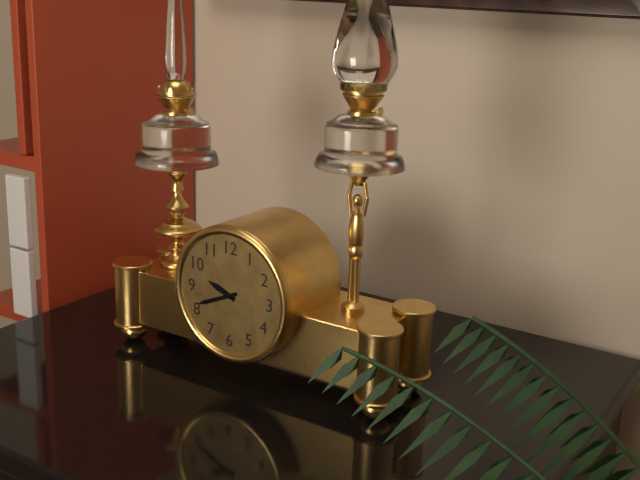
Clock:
h=9 m=41
